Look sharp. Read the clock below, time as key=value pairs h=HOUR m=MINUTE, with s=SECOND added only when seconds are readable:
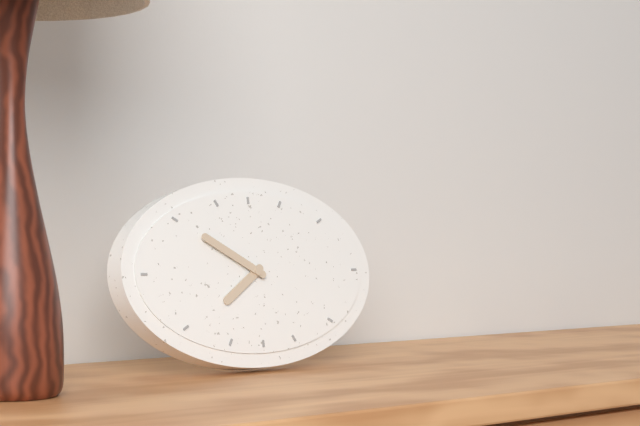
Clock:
h=7 m=50
